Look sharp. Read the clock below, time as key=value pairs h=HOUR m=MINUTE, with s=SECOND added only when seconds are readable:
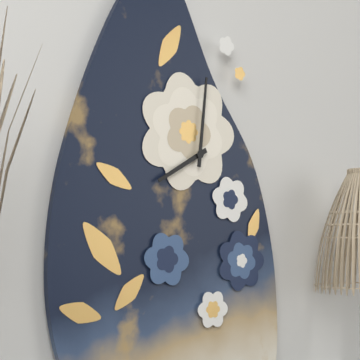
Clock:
h=8 m=1
